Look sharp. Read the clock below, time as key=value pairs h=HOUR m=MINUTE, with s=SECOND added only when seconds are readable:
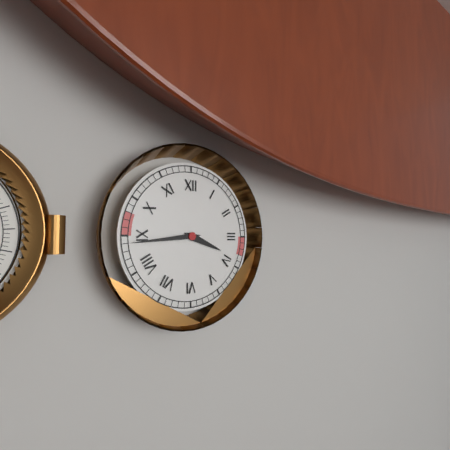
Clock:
h=3 m=44
